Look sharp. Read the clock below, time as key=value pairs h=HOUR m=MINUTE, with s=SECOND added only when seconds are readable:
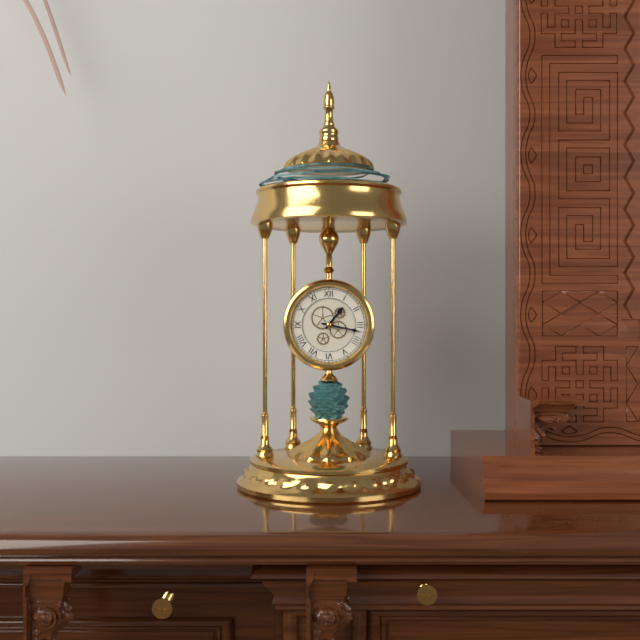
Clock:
h=1 m=17
